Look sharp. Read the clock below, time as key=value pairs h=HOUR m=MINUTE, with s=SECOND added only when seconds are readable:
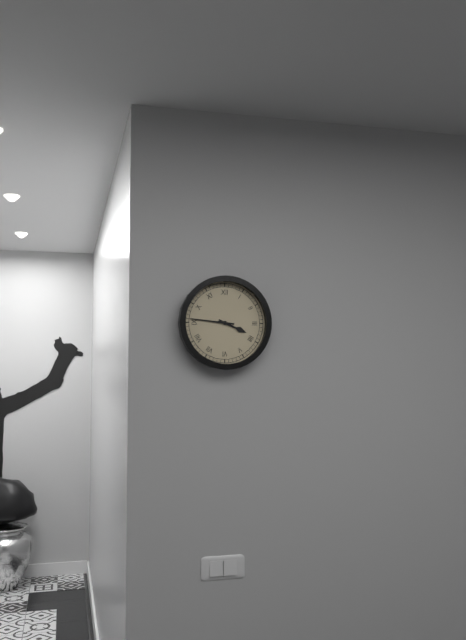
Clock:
h=3 m=46
